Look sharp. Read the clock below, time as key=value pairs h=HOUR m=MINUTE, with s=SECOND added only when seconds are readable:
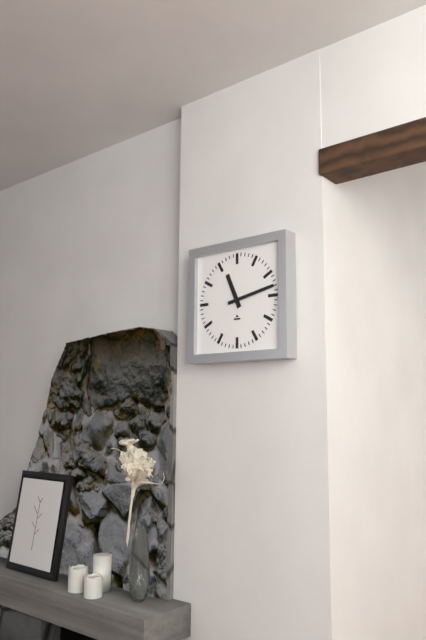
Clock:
h=11 m=13
